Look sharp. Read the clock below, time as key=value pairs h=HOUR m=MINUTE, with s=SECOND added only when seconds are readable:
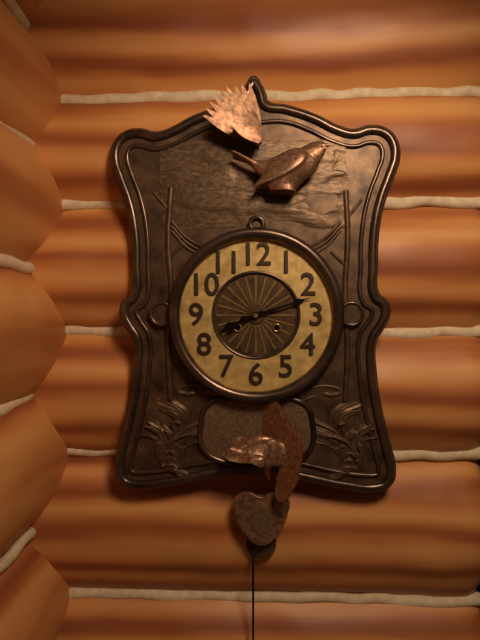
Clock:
h=8 m=12
